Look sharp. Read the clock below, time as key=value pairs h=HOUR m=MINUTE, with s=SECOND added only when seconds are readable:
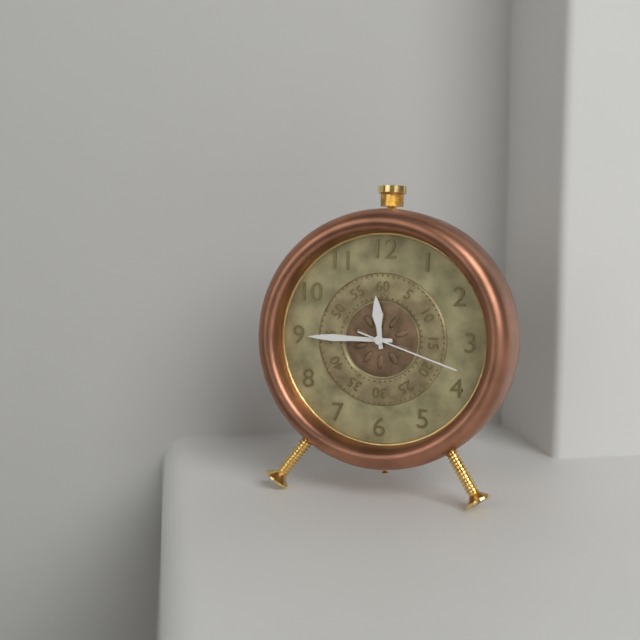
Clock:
h=11 m=45 s=18
